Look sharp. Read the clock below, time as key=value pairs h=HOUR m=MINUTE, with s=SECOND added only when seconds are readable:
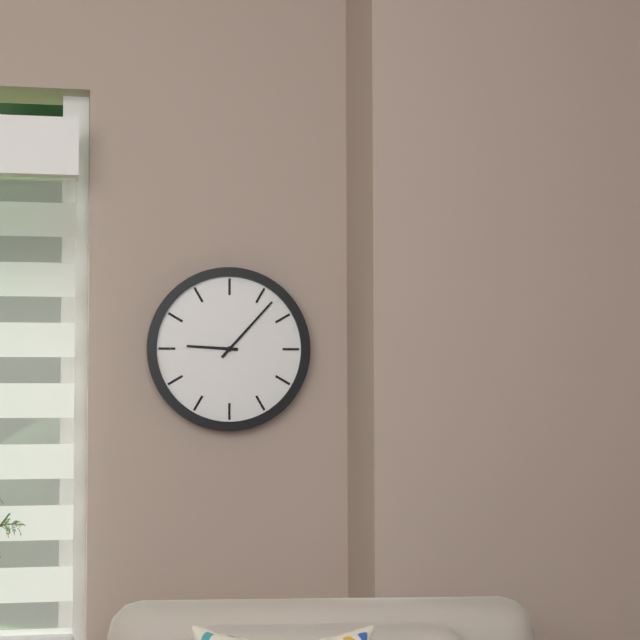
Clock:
h=9 m=7
